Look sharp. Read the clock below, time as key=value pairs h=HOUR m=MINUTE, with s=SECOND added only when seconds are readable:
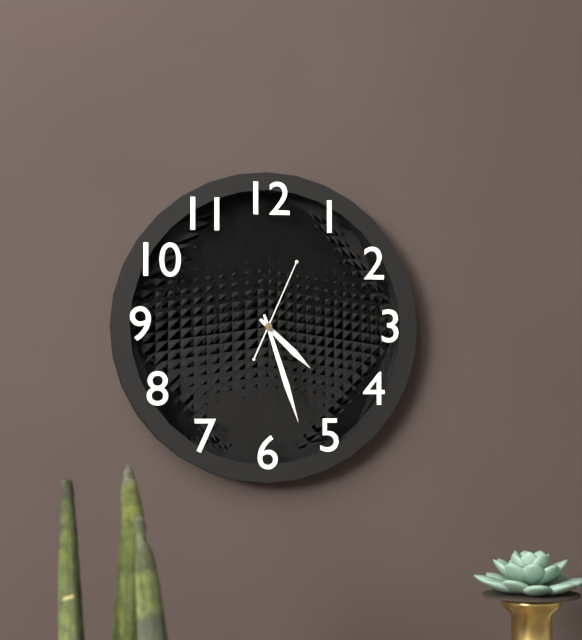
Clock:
h=4 m=27 s=4
